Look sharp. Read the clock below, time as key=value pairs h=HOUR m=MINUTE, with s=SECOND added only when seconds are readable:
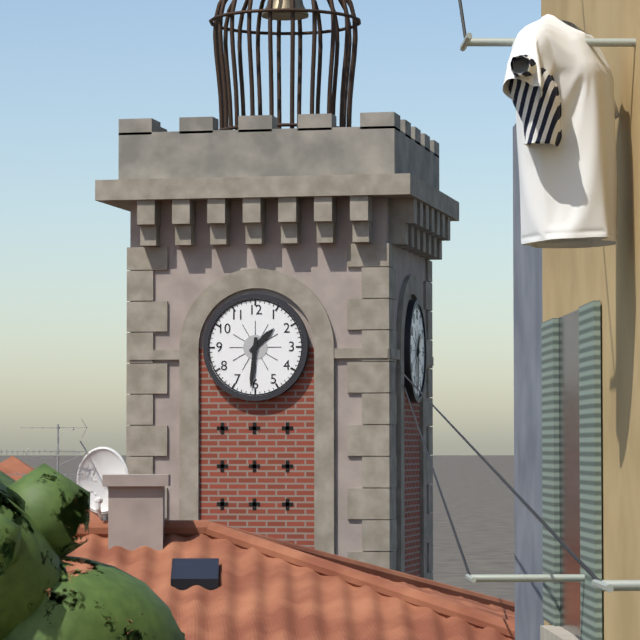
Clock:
h=1 m=31
